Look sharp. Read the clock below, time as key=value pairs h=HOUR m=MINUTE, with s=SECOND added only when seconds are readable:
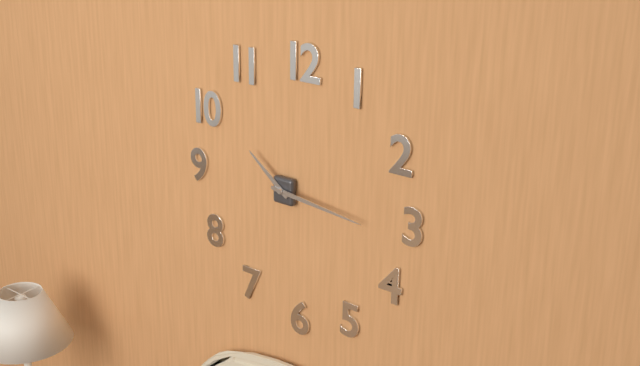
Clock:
h=10 m=16
